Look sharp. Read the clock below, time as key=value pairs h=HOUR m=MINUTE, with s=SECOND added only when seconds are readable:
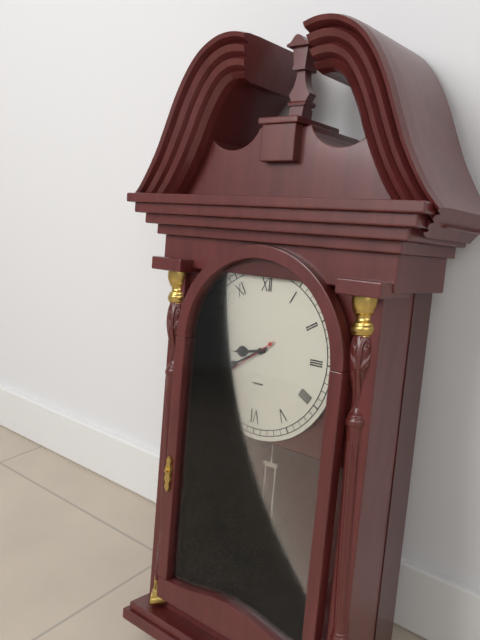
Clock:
h=8 m=40 s=39
